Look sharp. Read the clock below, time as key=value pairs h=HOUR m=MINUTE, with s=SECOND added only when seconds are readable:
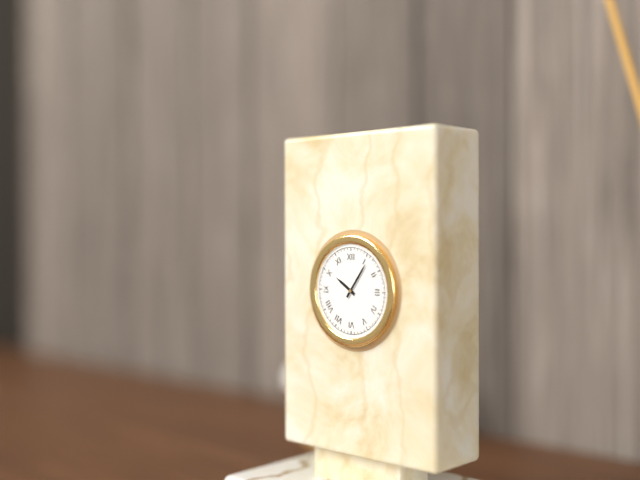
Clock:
h=10 m=6
